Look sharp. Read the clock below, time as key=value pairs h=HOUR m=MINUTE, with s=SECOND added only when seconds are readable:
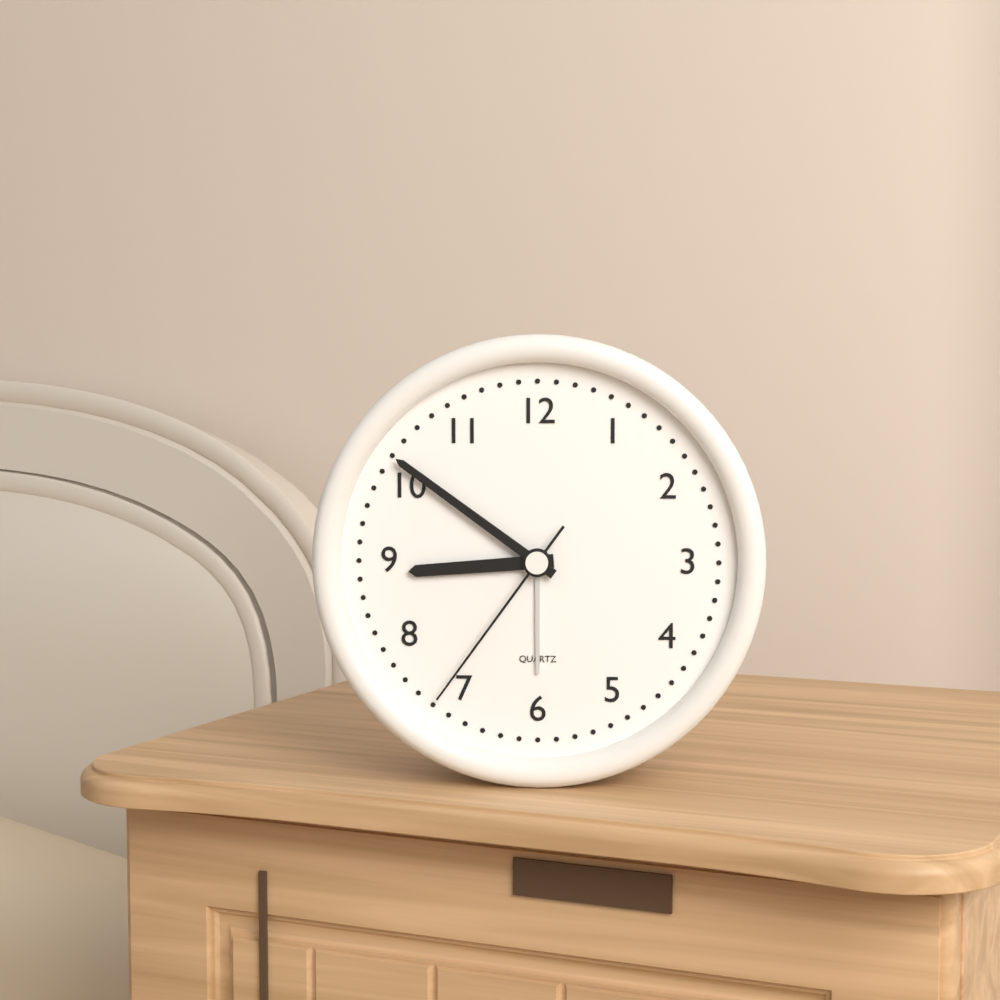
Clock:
h=8 m=51 s=36
